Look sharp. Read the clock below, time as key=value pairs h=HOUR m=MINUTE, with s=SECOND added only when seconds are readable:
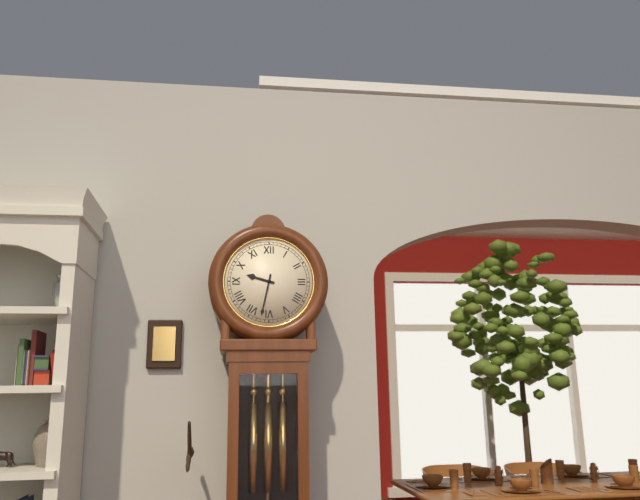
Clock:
h=9 m=32
